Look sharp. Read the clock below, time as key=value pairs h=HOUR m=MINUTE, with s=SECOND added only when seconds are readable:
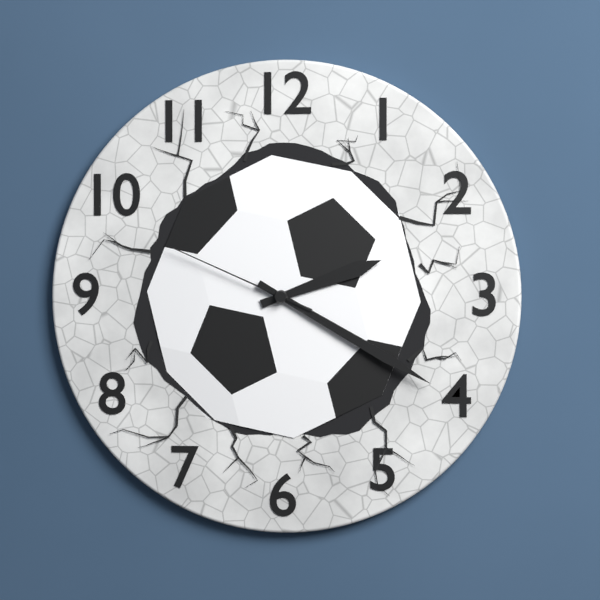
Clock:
h=2 m=20 s=49
